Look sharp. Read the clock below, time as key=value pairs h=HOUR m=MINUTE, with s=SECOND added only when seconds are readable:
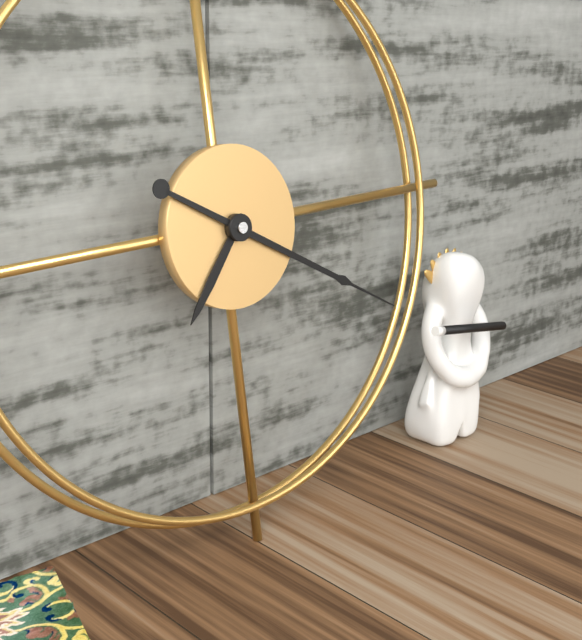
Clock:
h=7 m=20
